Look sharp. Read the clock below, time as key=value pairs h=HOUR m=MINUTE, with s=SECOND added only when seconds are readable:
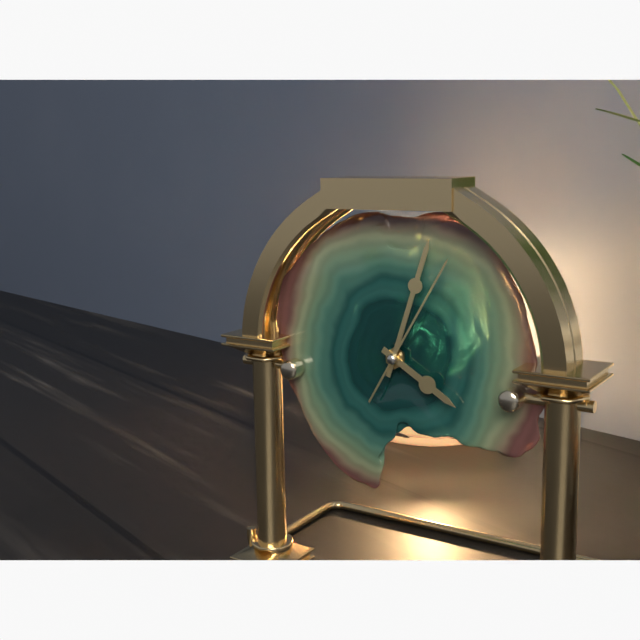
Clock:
h=4 m=3 s=5
